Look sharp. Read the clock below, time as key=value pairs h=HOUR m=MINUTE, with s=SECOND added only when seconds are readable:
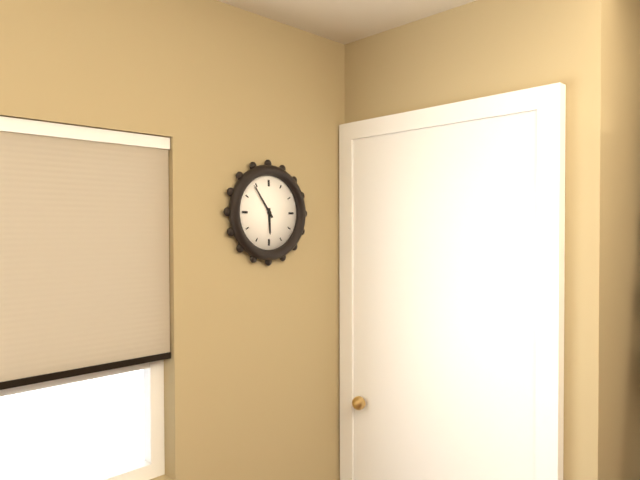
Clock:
h=5 m=54
